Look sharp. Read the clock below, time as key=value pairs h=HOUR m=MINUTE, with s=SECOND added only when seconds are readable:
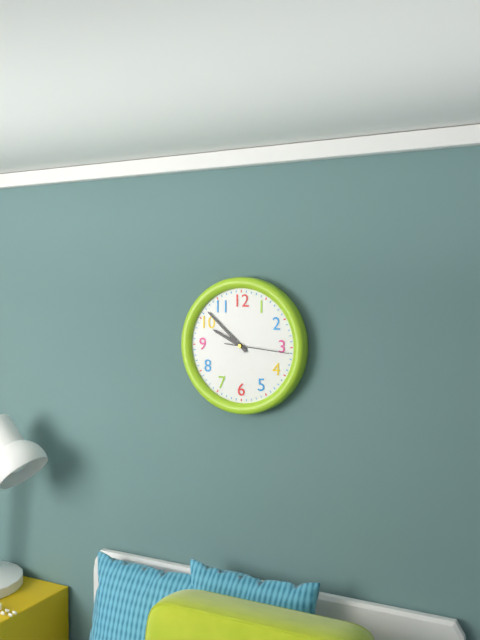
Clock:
h=9 m=52 s=16
